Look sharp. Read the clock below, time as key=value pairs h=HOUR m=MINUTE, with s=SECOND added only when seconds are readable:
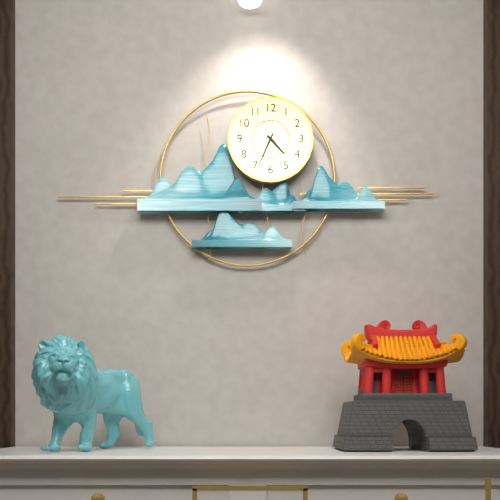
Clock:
h=4 m=34
